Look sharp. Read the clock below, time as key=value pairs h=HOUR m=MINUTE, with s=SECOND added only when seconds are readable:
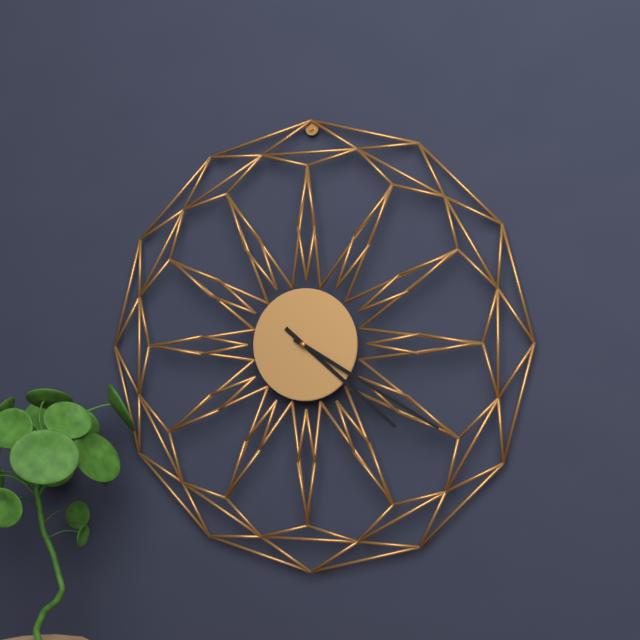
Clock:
h=4 m=20
